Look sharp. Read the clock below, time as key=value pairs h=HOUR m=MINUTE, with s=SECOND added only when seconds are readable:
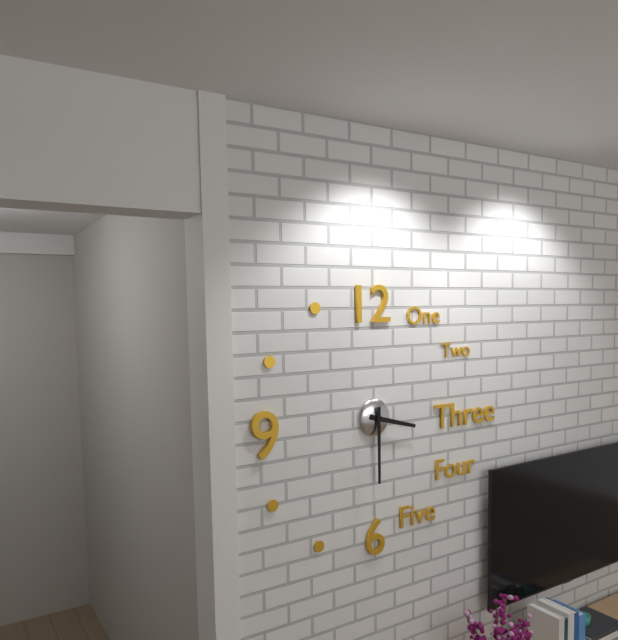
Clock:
h=3 m=30
